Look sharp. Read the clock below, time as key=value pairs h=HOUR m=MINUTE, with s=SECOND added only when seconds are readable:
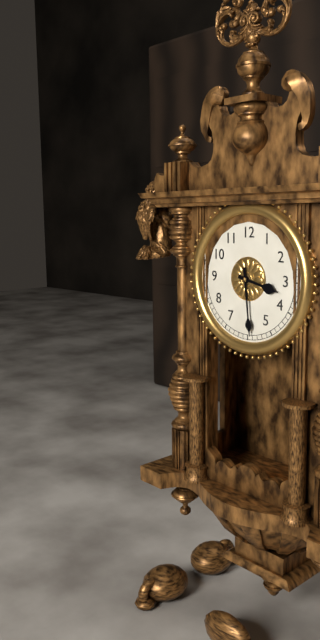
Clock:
h=3 m=29
